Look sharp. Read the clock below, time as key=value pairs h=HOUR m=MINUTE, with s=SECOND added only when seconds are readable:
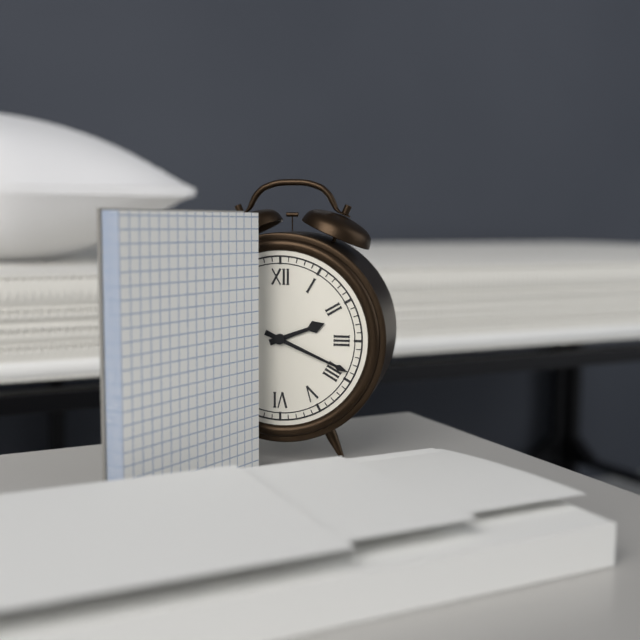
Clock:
h=2 m=19
